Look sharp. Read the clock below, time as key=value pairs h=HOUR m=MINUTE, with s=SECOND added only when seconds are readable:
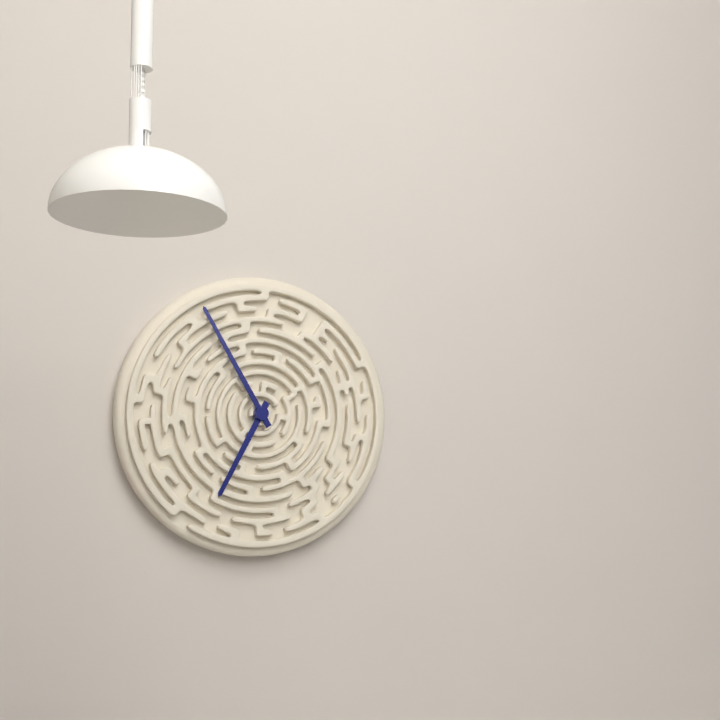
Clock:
h=6 m=55
